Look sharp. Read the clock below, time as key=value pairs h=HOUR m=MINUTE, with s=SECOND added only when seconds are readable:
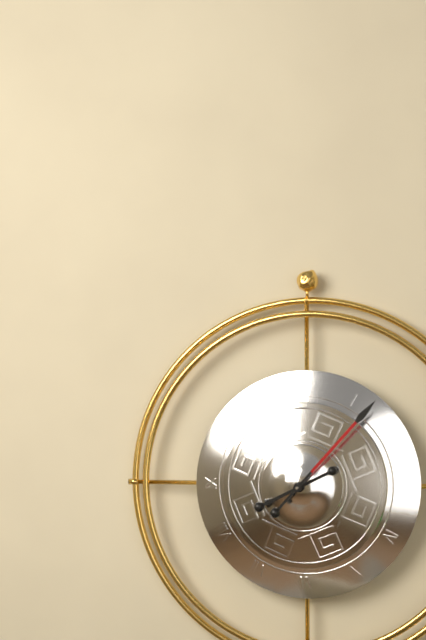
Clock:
h=8 m=7
